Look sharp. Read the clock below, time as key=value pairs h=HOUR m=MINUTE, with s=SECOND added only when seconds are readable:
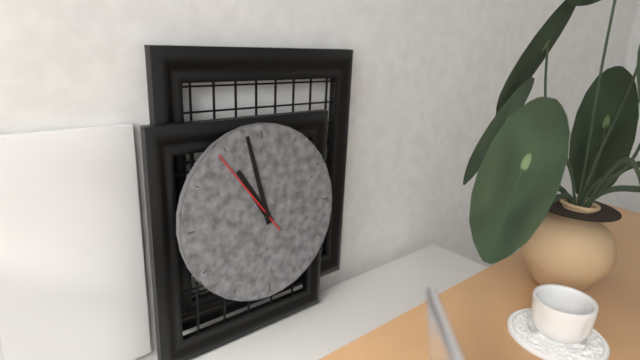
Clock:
h=10 m=58 s=54
